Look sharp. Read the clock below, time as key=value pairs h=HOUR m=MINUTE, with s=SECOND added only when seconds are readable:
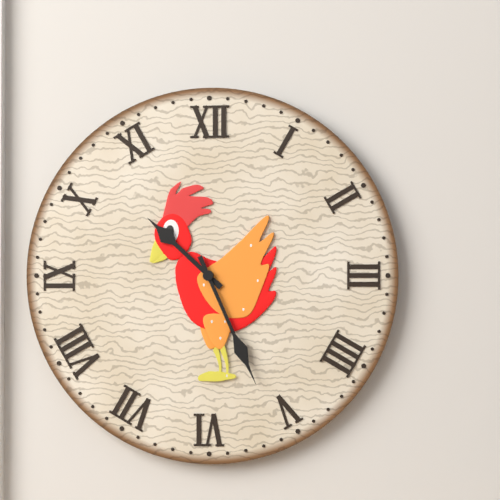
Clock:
h=10 m=26
